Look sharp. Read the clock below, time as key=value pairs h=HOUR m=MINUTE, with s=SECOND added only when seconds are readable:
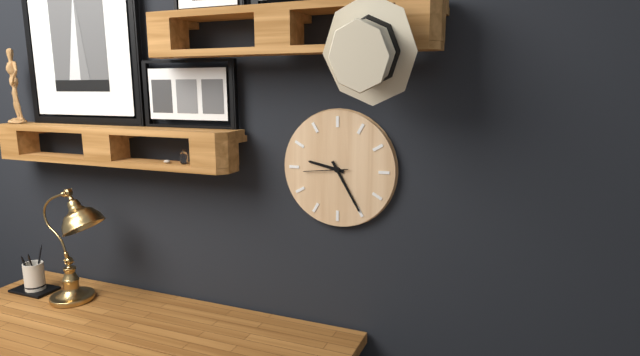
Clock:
h=9 m=25
